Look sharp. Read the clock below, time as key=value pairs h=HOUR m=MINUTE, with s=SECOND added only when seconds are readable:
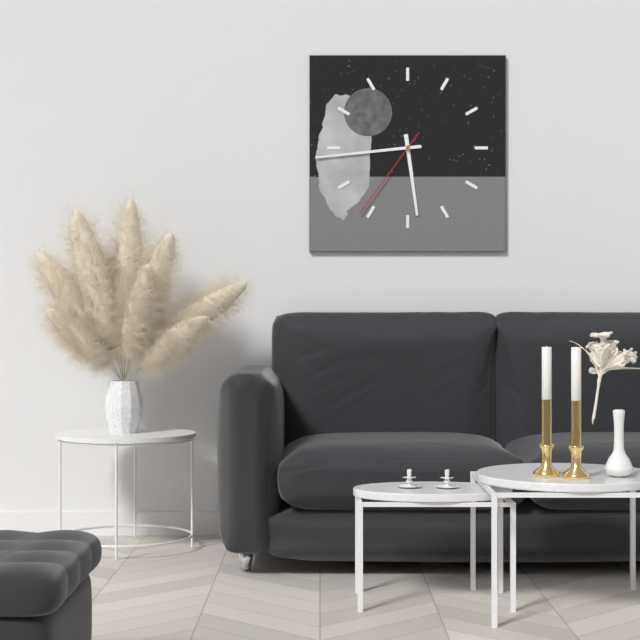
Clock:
h=5 m=44 s=36
